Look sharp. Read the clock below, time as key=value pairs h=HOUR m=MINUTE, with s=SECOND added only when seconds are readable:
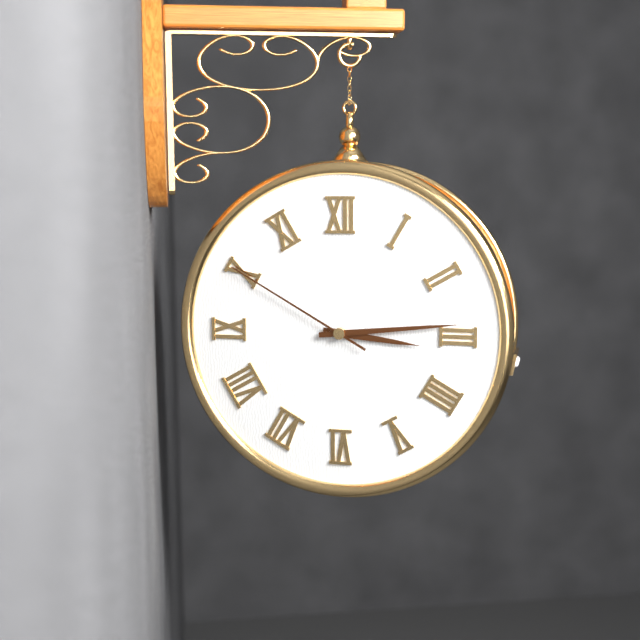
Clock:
h=3 m=14 s=50
